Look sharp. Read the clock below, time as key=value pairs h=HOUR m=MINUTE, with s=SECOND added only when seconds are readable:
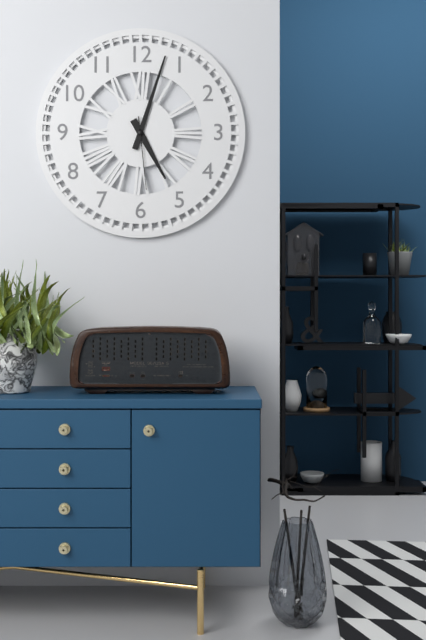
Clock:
h=5 m=3 s=29
